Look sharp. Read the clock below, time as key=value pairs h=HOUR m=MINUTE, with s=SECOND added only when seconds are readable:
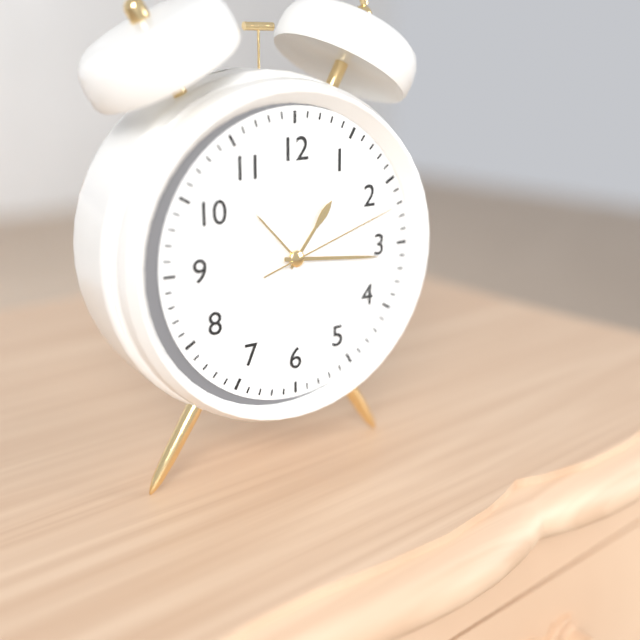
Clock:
h=1 m=16 s=12
